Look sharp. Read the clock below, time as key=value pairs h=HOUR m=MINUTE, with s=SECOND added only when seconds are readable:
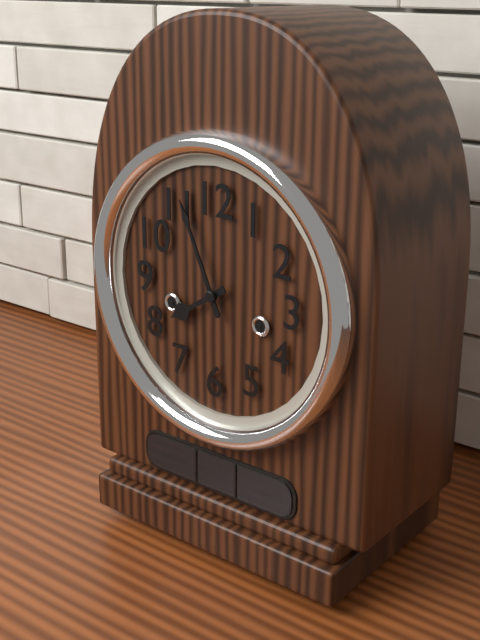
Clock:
h=7 m=56
